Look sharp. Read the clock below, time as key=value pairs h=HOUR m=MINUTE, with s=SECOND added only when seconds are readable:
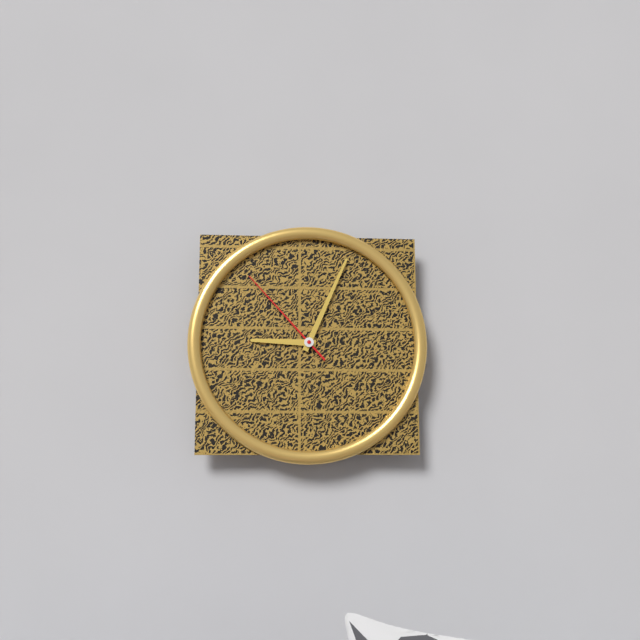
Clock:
h=9 m=4 s=53
